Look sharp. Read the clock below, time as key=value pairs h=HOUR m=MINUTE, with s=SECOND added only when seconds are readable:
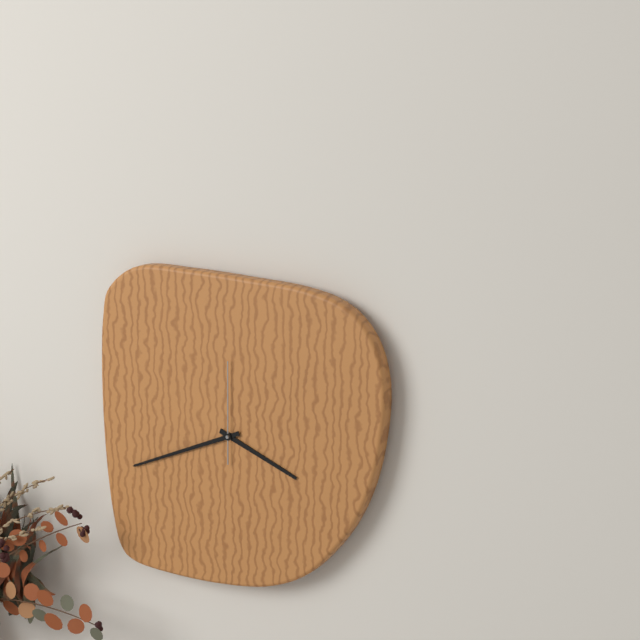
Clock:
h=3 m=41 s=0
